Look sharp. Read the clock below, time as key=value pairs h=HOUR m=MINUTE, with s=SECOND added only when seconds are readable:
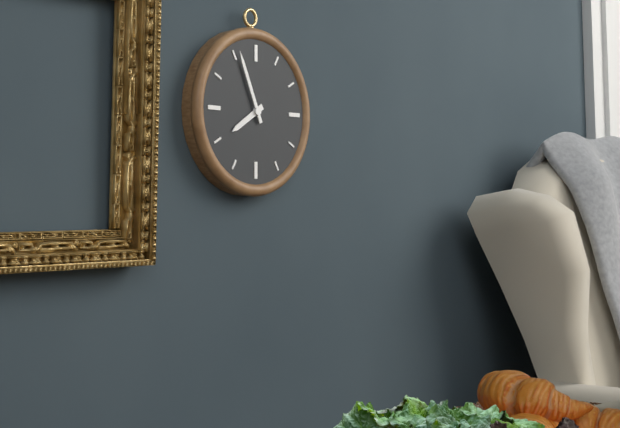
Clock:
h=7 m=56
